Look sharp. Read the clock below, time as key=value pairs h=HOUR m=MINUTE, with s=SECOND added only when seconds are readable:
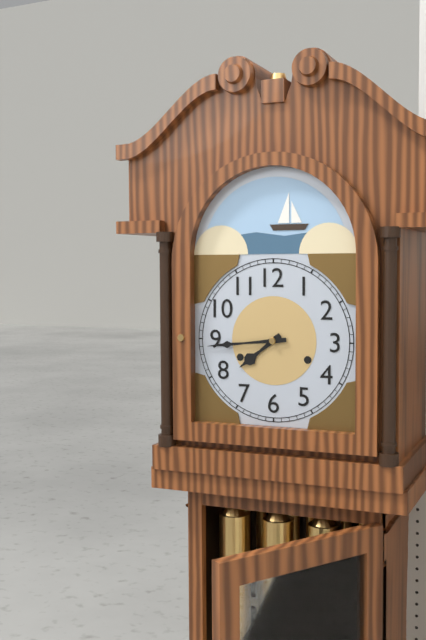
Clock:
h=7 m=44
